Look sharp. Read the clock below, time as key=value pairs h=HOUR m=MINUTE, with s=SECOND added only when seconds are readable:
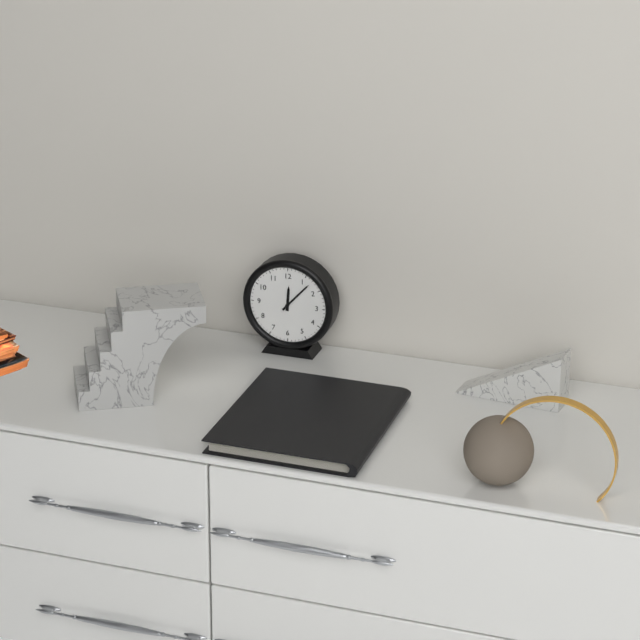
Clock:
h=12 m=7
